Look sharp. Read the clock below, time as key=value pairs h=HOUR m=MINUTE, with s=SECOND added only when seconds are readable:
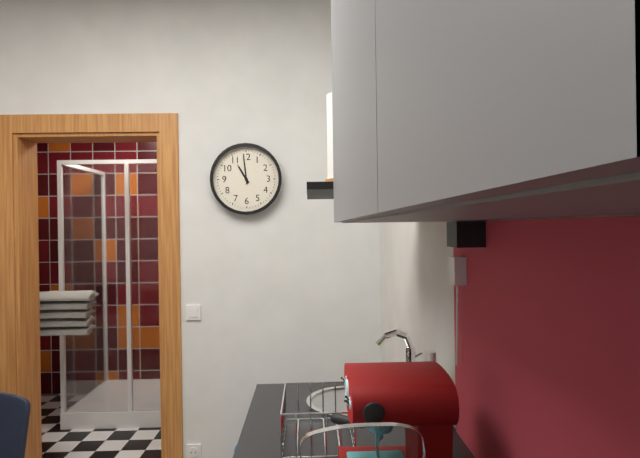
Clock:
h=10 m=59
